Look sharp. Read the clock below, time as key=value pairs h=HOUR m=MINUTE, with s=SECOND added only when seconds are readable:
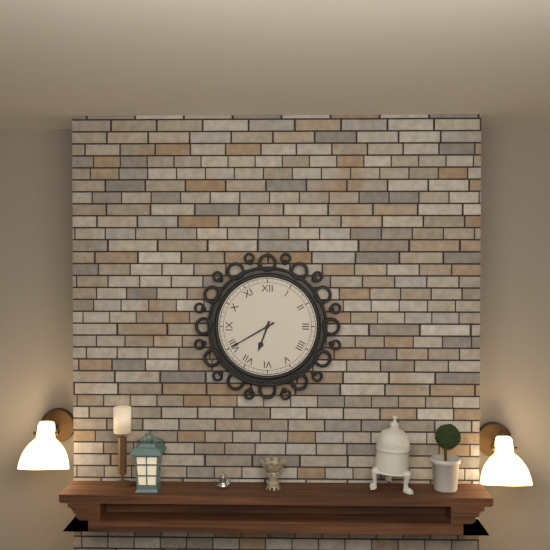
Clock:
h=6 m=40
